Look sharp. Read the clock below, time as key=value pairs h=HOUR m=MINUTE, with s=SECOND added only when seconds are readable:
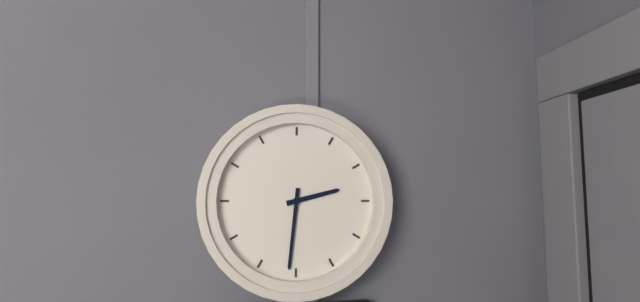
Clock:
h=2 m=31
